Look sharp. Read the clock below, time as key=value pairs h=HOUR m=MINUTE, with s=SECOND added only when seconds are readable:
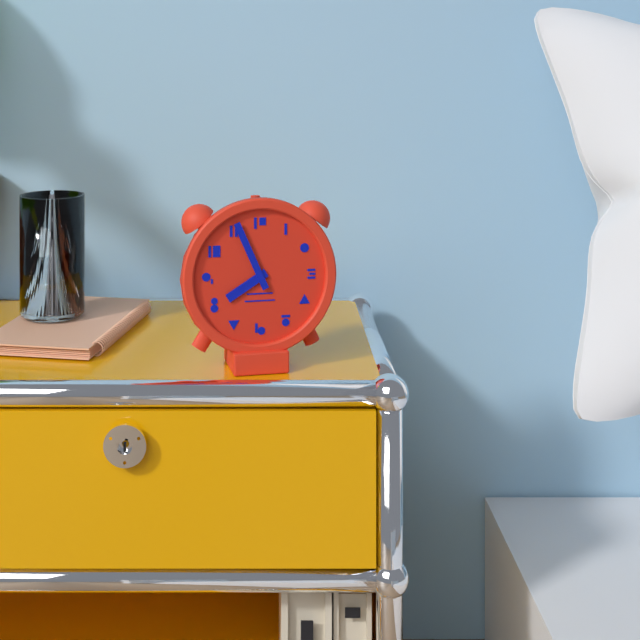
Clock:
h=7 m=56
